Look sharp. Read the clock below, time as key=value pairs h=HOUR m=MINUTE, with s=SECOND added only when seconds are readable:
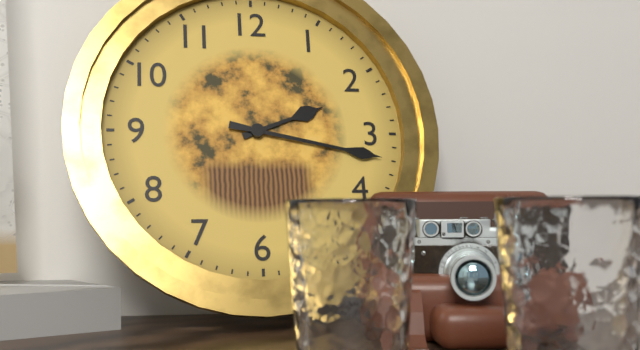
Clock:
h=2 m=17
